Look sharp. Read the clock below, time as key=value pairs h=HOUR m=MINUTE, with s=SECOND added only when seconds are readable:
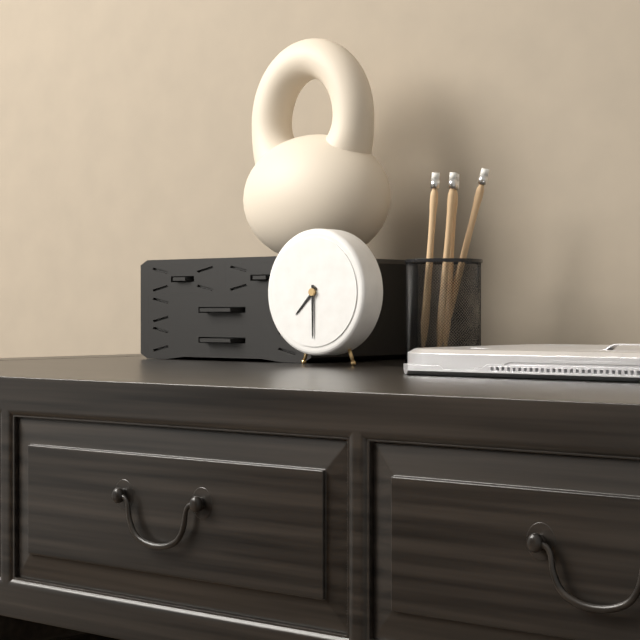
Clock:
h=7 m=30
